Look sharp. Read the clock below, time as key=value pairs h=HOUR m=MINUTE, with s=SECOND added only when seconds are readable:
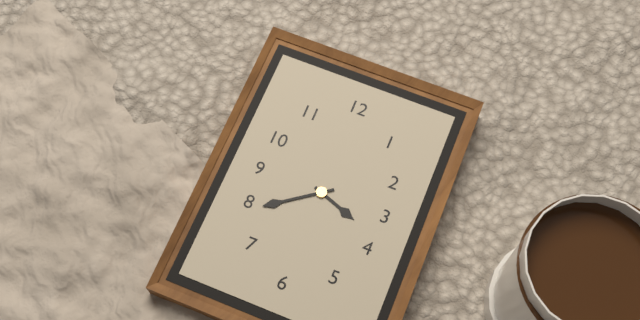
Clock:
h=3 m=39
